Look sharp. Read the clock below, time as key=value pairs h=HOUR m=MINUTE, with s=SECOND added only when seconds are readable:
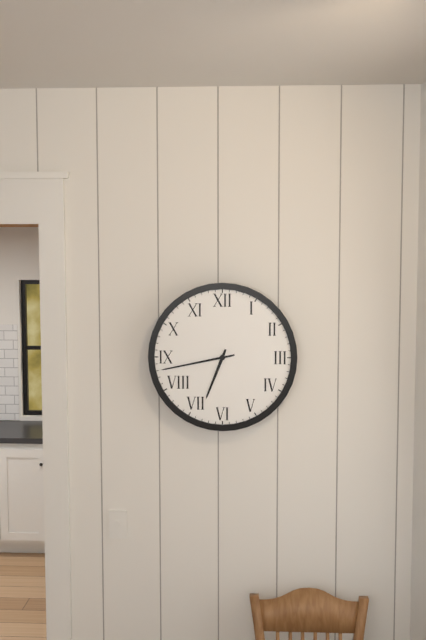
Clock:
h=6 m=43
